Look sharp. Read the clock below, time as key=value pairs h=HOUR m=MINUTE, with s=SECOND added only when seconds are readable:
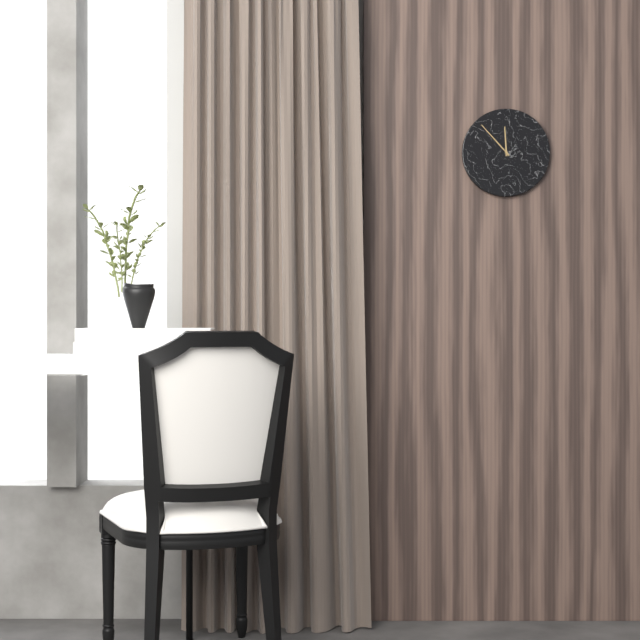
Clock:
h=11 m=53
